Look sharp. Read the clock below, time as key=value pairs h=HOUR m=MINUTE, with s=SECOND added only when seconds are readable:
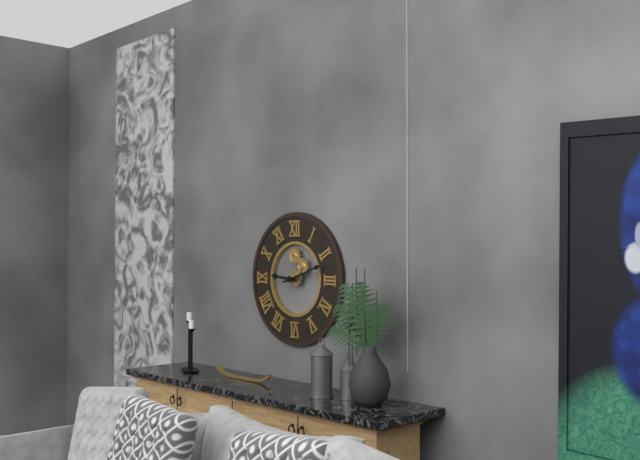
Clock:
h=9 m=12
